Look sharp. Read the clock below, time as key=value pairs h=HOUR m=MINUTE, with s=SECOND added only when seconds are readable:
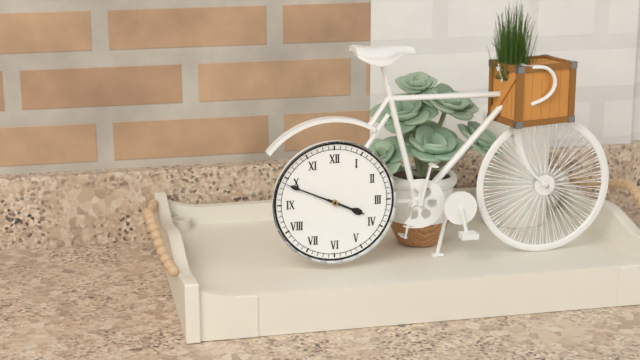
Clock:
h=3 m=49
